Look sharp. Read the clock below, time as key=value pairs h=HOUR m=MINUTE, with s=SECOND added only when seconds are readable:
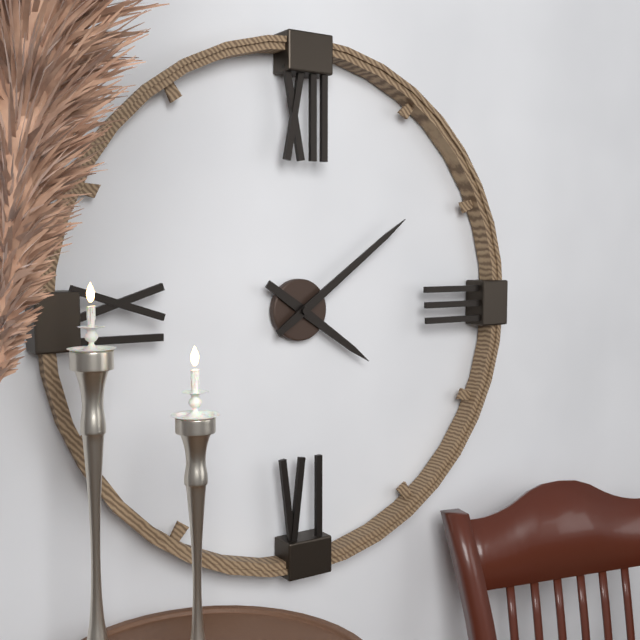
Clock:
h=4 m=9
